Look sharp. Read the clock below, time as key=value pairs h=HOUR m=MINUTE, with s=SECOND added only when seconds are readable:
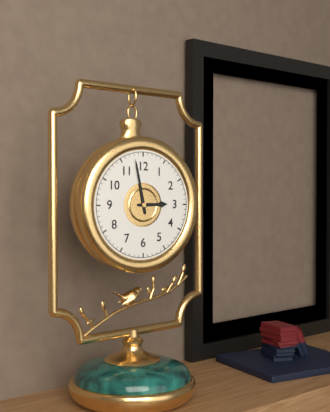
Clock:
h=2 m=58
